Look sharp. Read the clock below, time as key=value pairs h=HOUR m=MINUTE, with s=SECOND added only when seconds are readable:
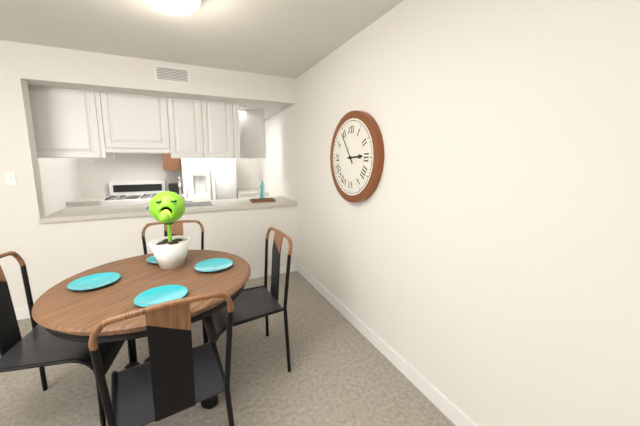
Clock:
h=2 m=54
